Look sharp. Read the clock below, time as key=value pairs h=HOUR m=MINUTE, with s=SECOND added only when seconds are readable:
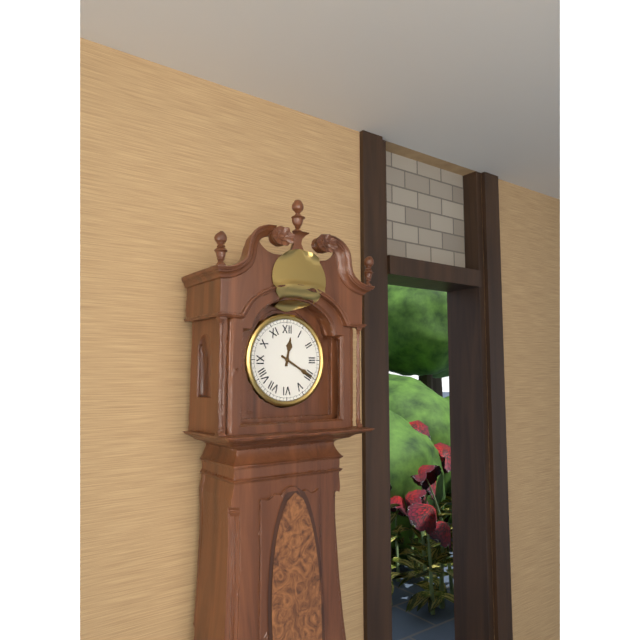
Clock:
h=12 m=20
